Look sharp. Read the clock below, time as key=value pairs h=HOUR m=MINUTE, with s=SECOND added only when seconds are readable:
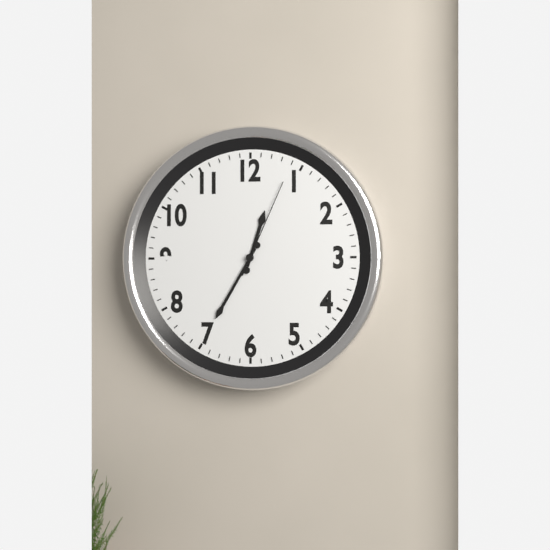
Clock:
h=12 m=35 s=4
